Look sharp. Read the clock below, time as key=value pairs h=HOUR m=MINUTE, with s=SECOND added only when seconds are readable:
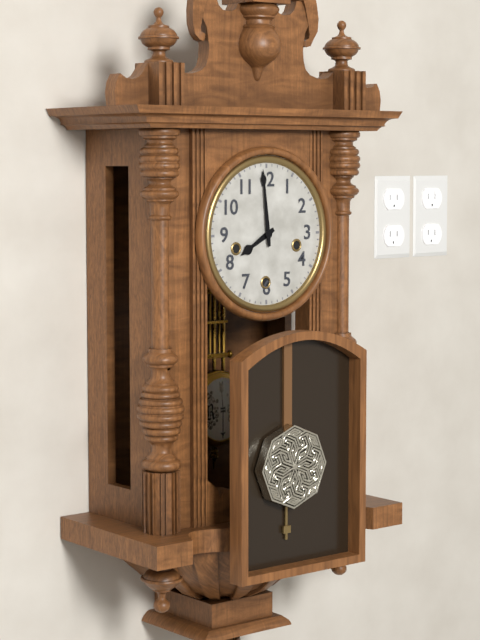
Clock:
h=7 m=59
